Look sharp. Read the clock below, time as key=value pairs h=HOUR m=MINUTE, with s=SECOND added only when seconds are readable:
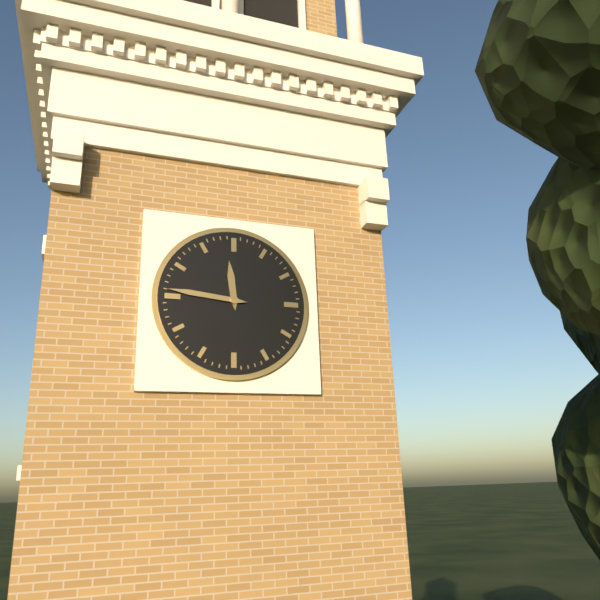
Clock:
h=11 m=46
